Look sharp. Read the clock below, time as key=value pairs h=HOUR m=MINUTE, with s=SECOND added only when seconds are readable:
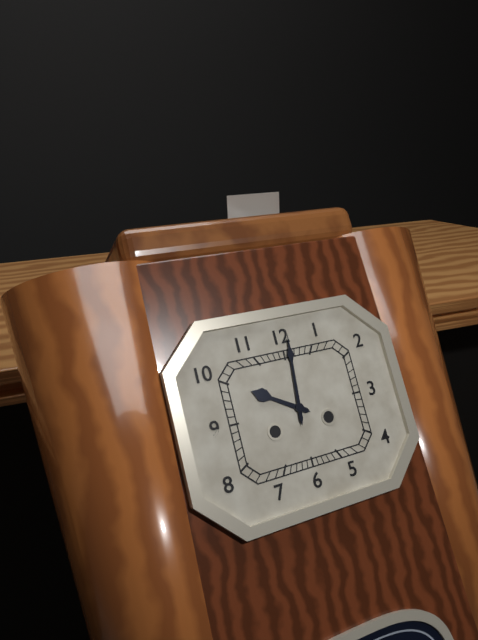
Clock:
h=10 m=1
